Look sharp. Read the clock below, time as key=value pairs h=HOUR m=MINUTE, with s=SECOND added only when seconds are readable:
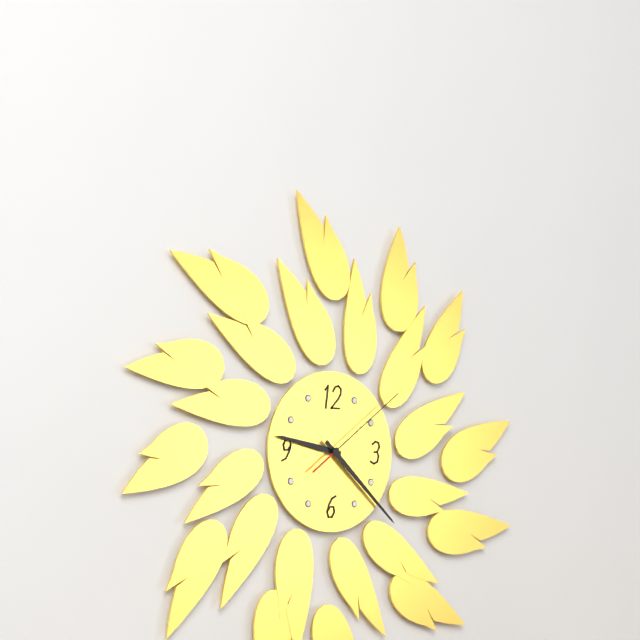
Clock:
h=9 m=22 s=9
